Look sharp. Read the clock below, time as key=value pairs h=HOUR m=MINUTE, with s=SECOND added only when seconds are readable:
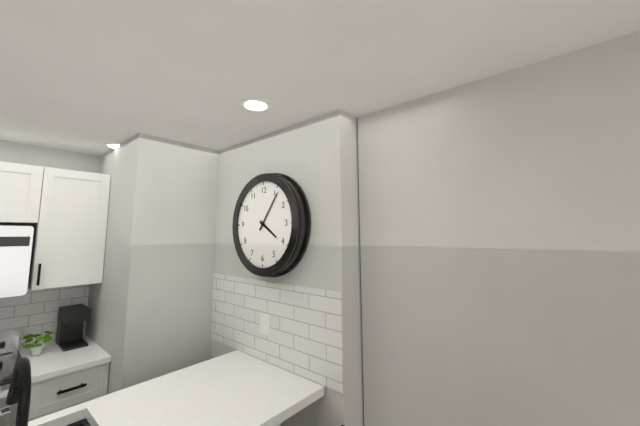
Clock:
h=4 m=6
